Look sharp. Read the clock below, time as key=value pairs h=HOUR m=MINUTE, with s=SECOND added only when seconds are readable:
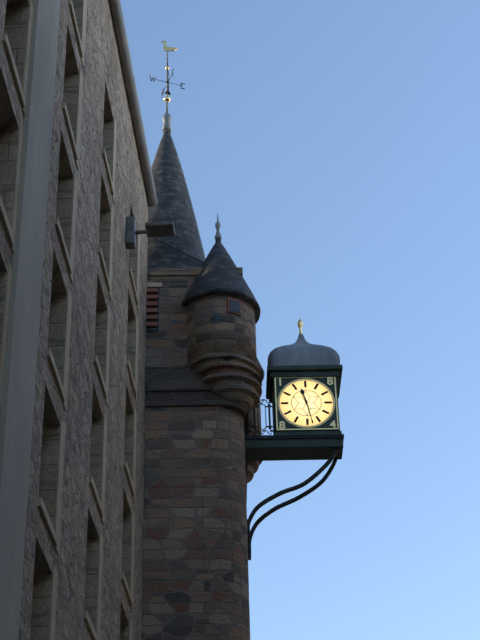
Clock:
h=11 m=28
